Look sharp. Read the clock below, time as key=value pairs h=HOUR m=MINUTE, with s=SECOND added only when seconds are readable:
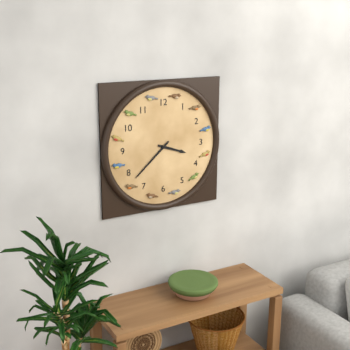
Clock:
h=3 m=38
